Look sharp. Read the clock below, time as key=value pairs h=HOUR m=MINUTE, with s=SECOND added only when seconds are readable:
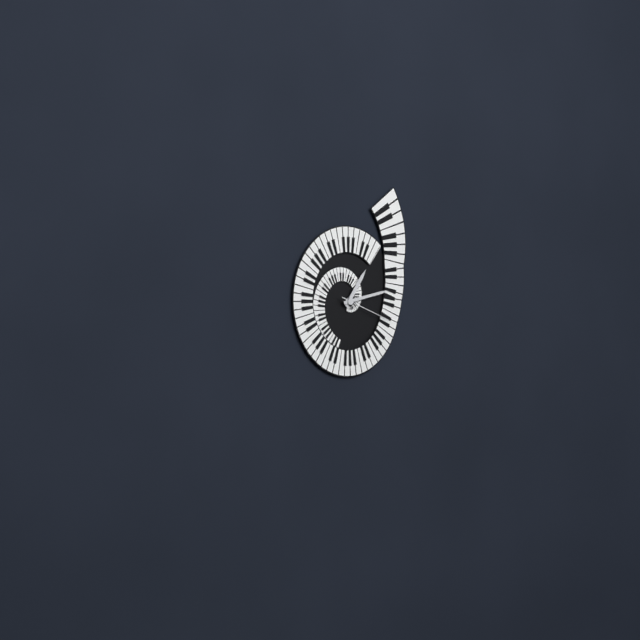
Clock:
h=1 m=13 s=18
